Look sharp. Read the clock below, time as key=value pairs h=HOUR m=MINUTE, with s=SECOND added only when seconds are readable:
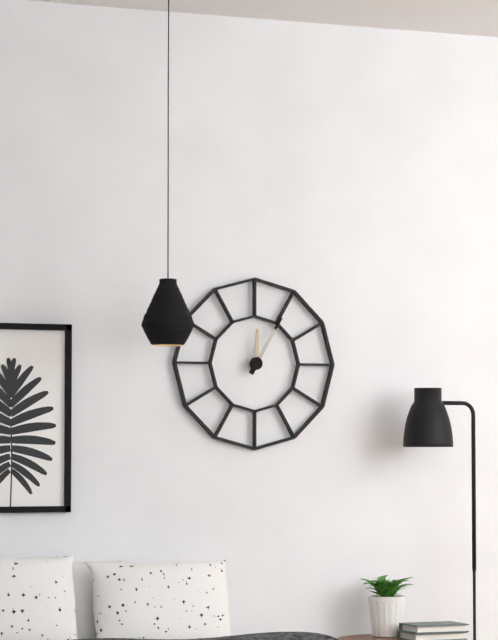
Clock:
h=12 m=5
